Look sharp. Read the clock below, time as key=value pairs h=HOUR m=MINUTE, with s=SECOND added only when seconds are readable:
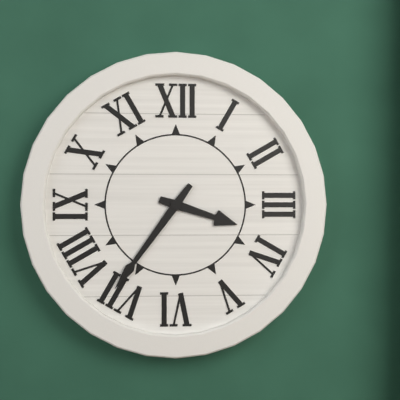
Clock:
h=3 m=36
